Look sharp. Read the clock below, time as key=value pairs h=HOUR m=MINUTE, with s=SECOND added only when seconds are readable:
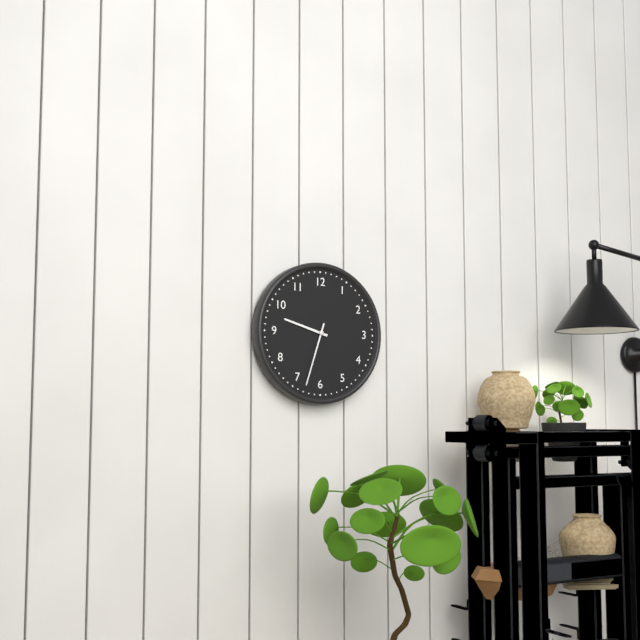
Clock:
h=9 m=33
